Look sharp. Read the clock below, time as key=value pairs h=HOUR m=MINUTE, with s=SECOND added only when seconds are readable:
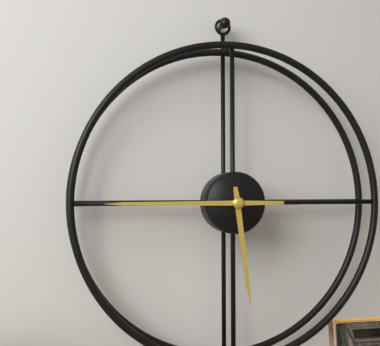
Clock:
h=5 m=45
